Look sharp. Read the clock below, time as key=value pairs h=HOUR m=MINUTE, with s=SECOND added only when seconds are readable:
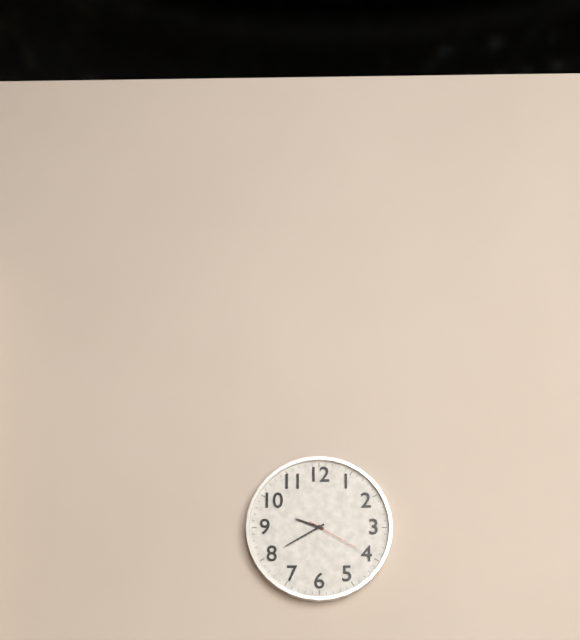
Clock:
h=9 m=40 s=20
